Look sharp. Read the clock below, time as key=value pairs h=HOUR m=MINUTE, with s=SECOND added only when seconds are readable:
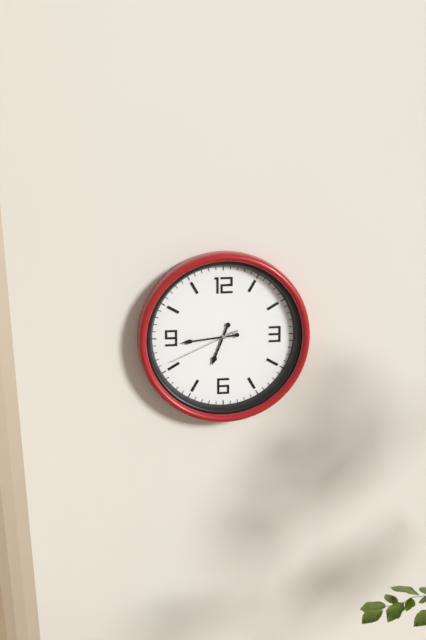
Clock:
h=6 m=44 s=41
